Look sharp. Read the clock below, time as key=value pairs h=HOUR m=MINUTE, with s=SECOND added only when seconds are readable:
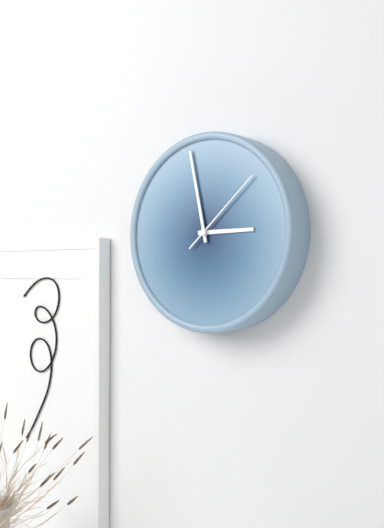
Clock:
h=2 m=58 s=8
